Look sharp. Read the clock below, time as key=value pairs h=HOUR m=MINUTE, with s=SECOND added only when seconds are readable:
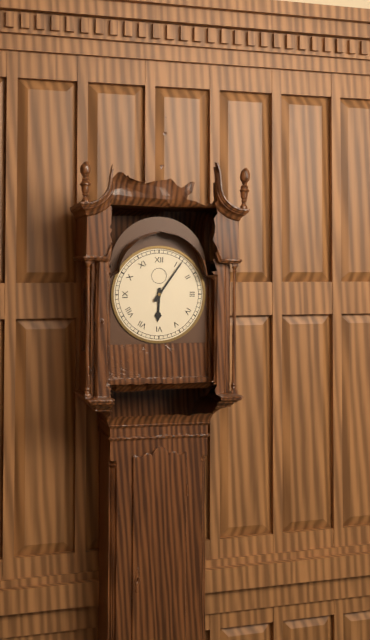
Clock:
h=6 m=6
